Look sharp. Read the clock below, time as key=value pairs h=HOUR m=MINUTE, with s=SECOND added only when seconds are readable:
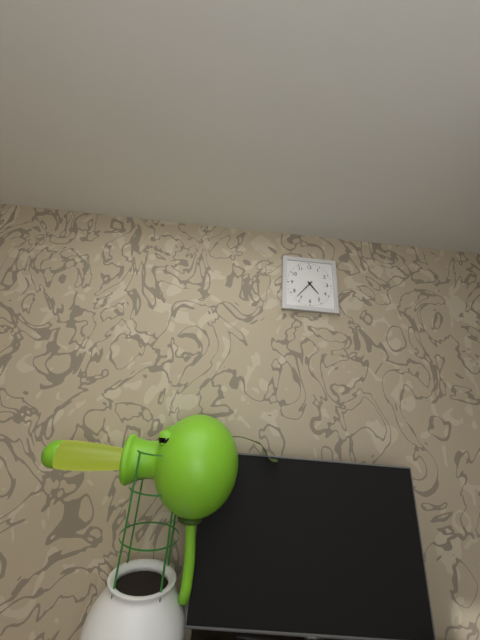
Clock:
h=4 m=37
